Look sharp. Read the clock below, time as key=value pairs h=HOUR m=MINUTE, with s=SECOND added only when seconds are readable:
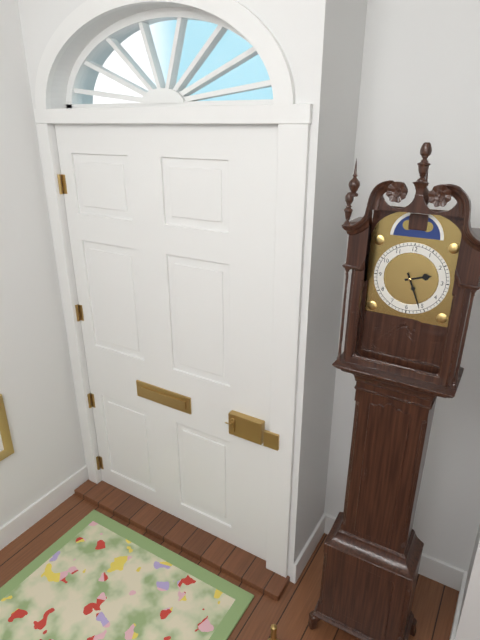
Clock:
h=2 m=26
